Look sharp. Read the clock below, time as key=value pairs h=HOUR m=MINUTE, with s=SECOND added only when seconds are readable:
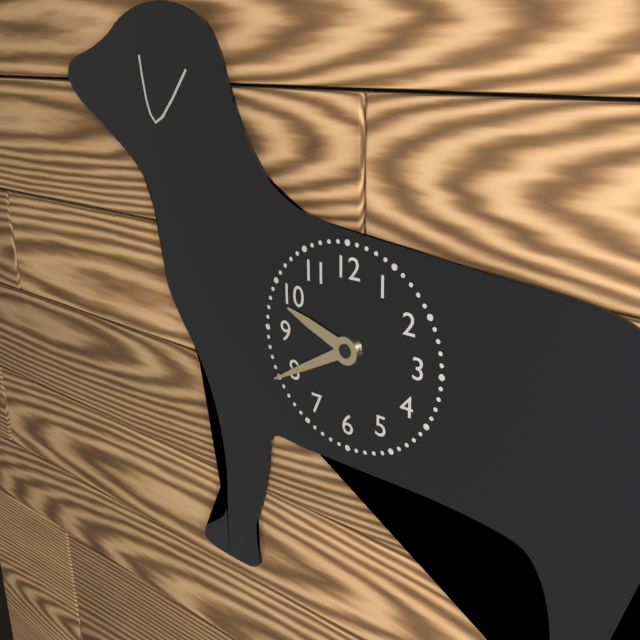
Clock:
h=9 m=40
